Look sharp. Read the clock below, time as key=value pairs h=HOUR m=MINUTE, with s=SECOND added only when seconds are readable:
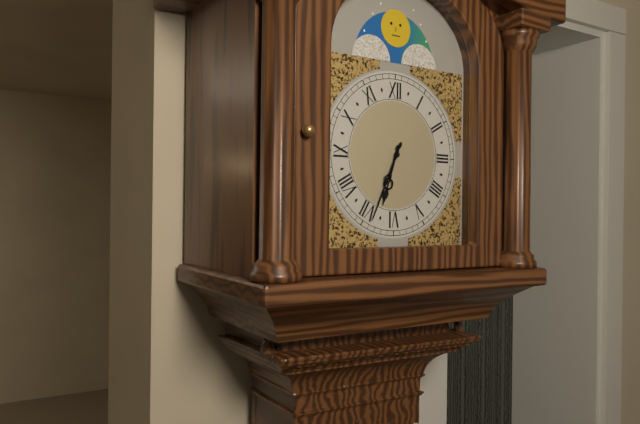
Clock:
h=6 m=34
